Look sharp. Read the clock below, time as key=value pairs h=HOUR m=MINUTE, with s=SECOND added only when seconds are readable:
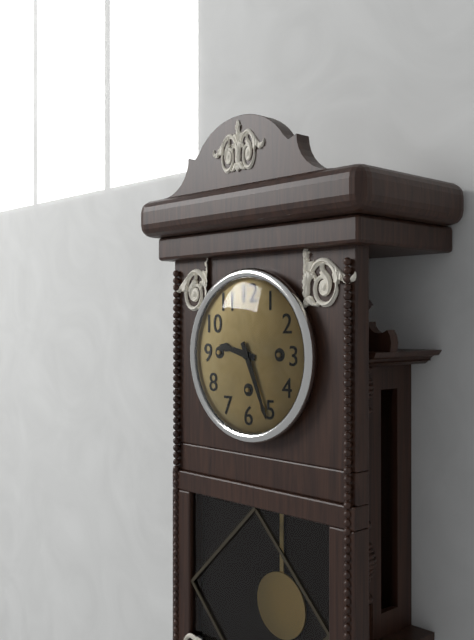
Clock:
h=9 m=26
